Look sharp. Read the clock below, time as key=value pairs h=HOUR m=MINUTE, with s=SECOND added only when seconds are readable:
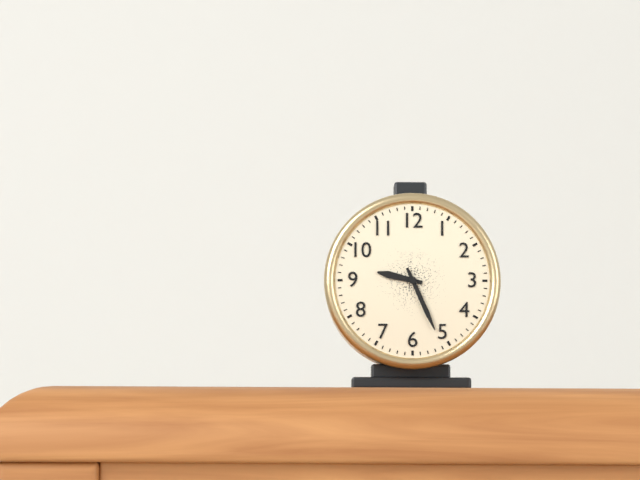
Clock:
h=9 m=26
